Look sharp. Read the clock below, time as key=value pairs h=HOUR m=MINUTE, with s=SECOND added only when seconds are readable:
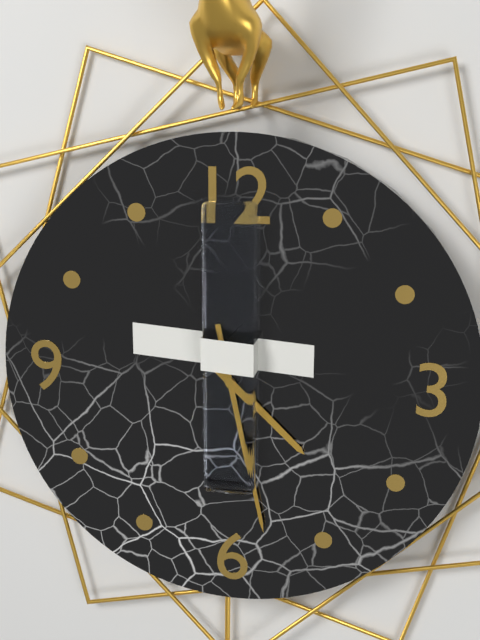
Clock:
h=4 m=28
